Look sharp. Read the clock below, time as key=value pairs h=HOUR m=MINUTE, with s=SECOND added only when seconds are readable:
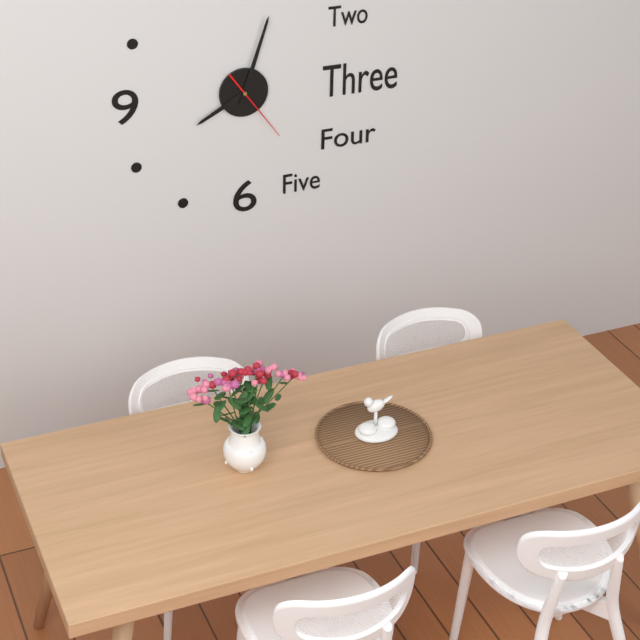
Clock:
h=8 m=3 s=24
